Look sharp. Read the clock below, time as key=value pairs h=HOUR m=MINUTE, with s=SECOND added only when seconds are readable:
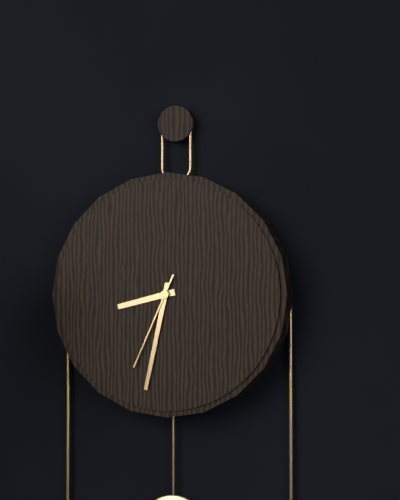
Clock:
h=8 m=32 s=34
